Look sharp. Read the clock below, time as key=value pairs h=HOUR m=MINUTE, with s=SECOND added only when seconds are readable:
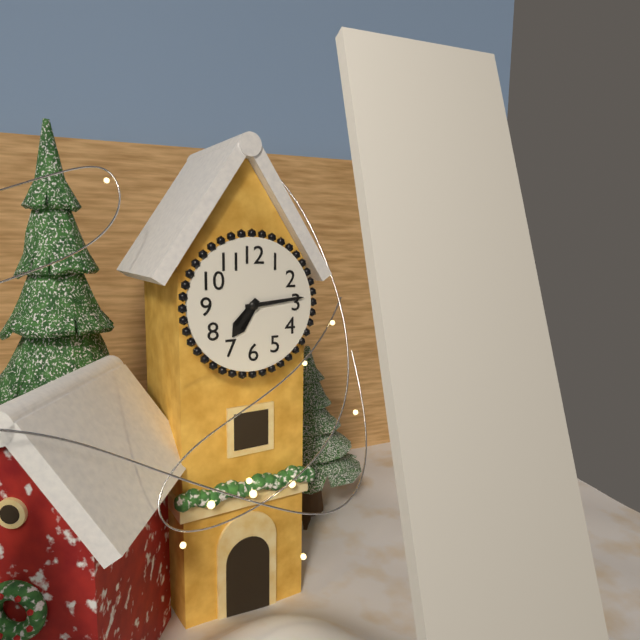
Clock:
h=7 m=14
